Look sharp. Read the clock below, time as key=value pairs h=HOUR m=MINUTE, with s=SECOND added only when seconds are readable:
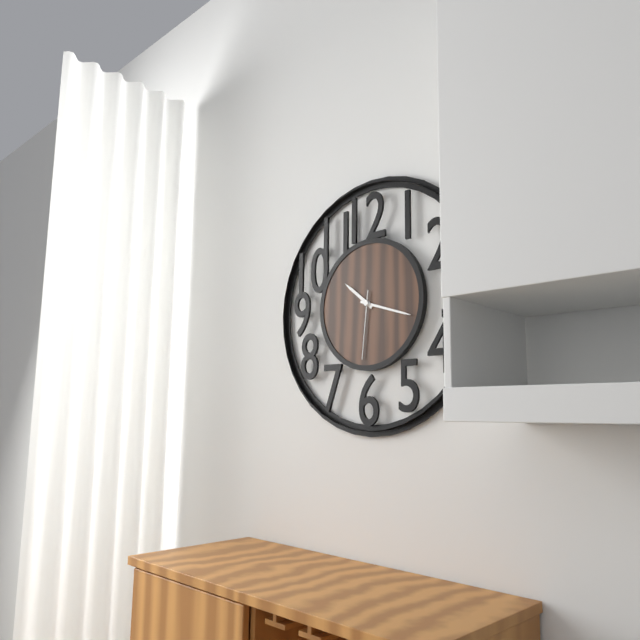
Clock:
h=10 m=18 s=31
